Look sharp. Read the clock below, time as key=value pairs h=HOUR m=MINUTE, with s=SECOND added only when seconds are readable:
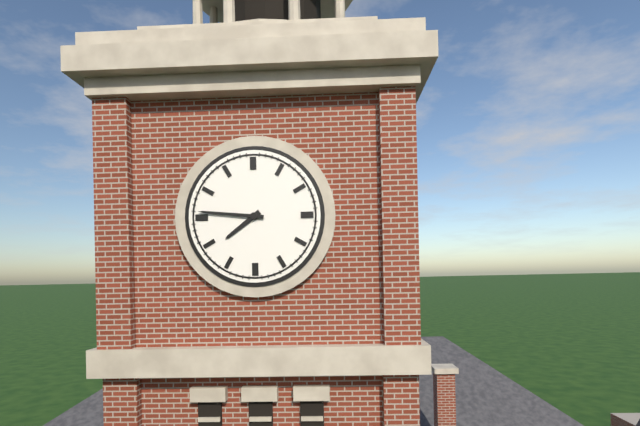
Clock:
h=7 m=46
